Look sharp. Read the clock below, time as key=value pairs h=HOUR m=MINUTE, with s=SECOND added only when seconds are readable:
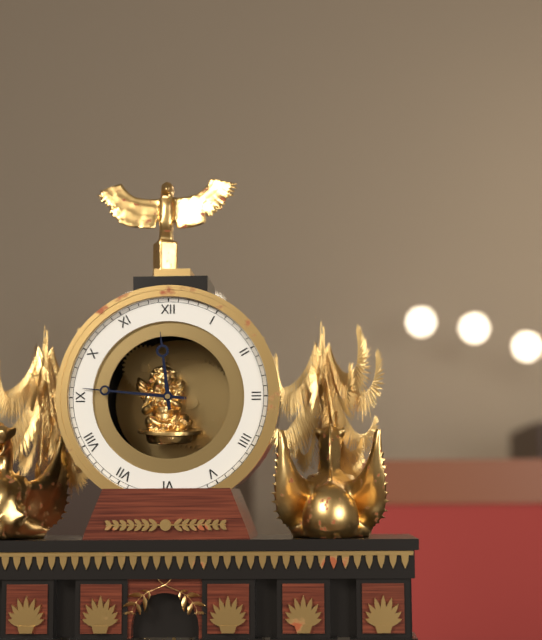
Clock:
h=11 m=46
